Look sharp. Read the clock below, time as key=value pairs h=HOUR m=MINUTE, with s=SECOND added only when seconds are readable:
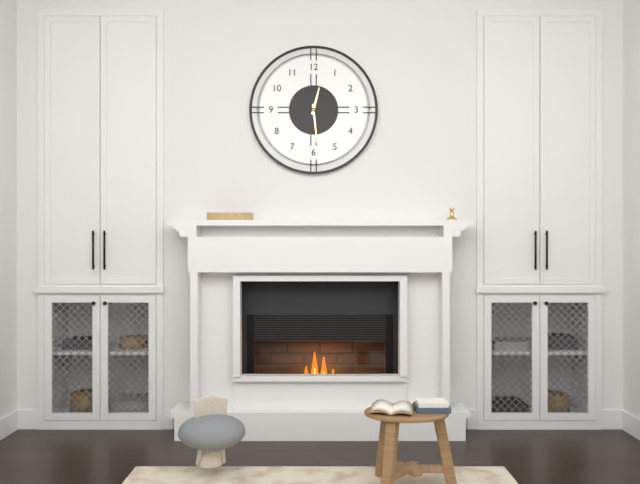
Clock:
h=12 m=29
